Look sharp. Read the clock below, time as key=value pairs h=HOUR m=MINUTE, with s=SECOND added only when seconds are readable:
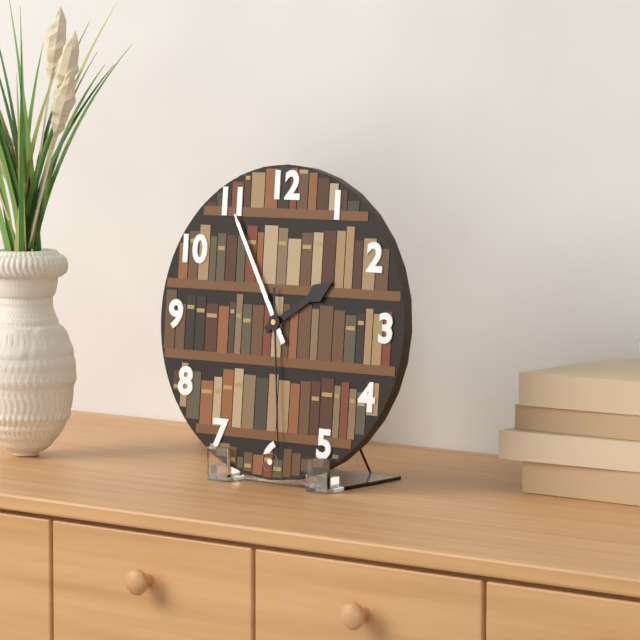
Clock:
h=1 m=55 s=29
